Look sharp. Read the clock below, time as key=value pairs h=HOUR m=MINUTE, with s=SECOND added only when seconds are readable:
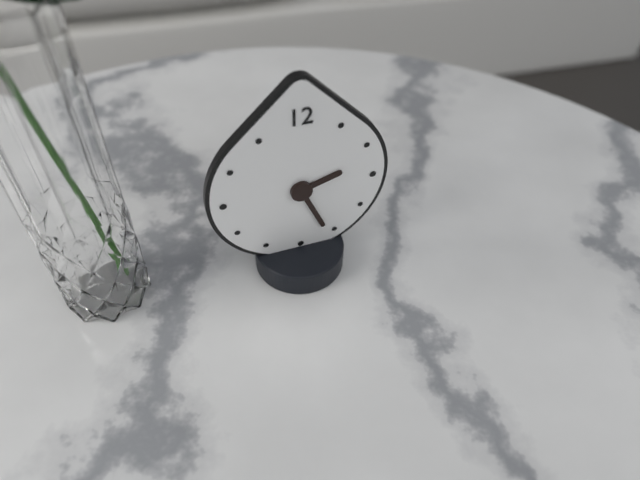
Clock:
h=2 m=26
